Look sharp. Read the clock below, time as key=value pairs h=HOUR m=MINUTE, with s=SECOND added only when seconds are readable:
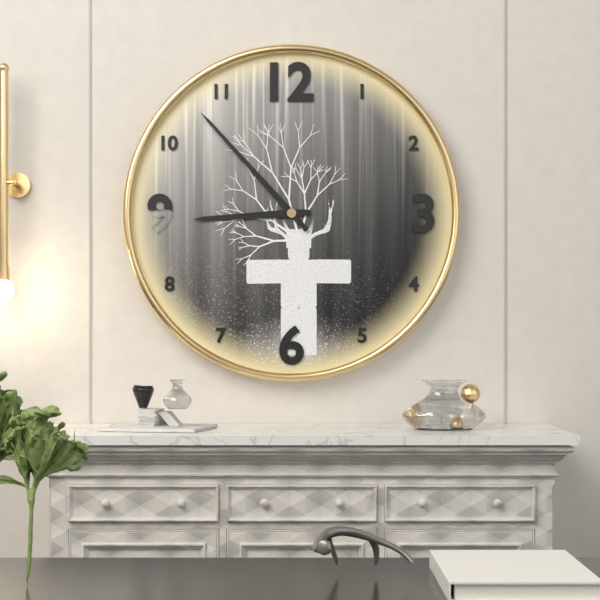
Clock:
h=8 m=53
